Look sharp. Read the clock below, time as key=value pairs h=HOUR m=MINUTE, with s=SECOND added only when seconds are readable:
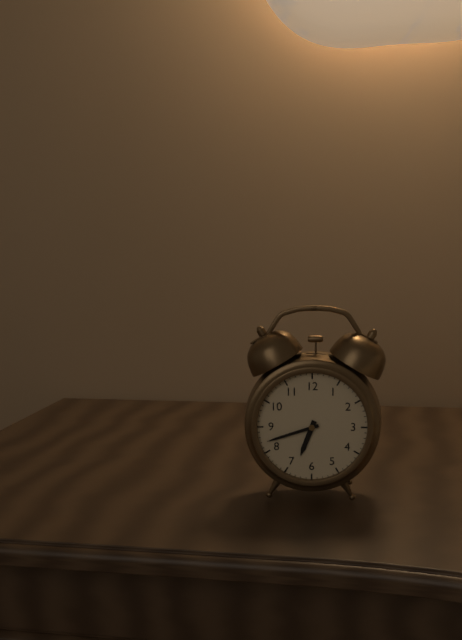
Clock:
h=6 m=42
